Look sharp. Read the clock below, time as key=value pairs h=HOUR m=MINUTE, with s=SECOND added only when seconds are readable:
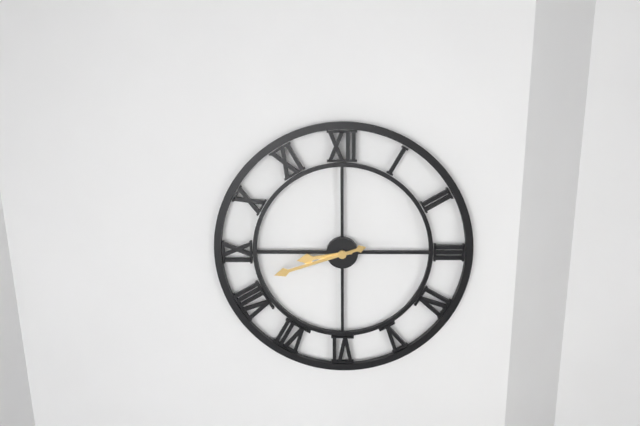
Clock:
h=8 m=42
